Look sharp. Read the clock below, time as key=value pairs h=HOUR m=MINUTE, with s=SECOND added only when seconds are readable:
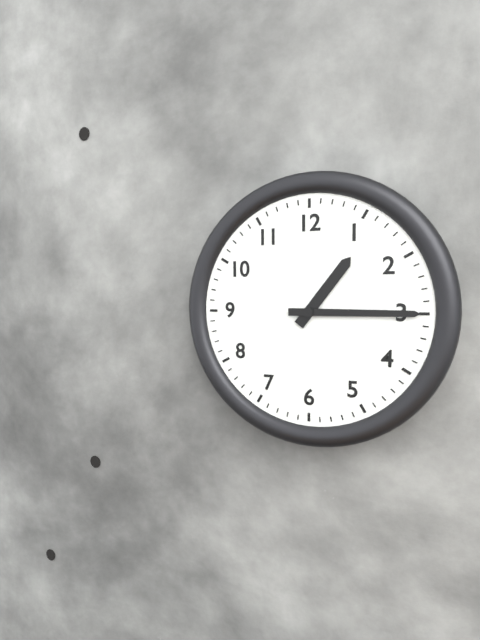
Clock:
h=1 m=15
